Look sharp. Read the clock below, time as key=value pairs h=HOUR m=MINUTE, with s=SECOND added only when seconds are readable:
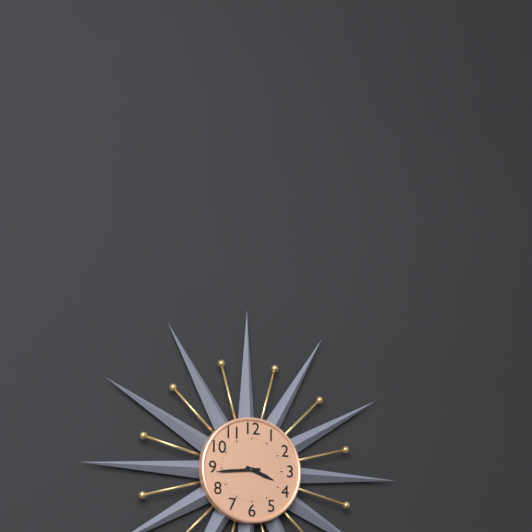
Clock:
h=3 m=44
